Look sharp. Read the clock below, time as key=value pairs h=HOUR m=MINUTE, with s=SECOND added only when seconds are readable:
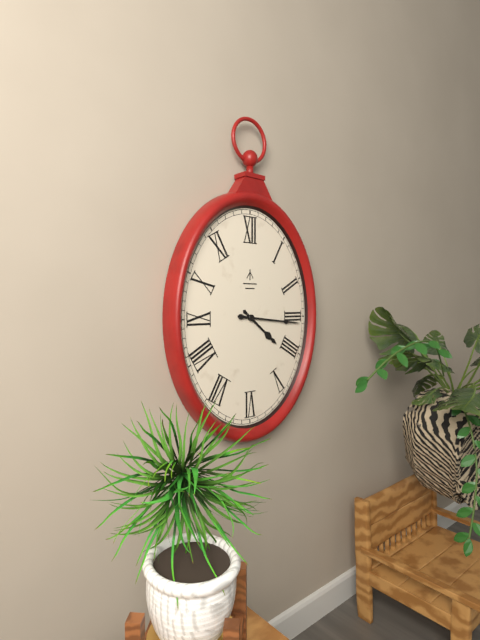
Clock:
h=4 m=16
